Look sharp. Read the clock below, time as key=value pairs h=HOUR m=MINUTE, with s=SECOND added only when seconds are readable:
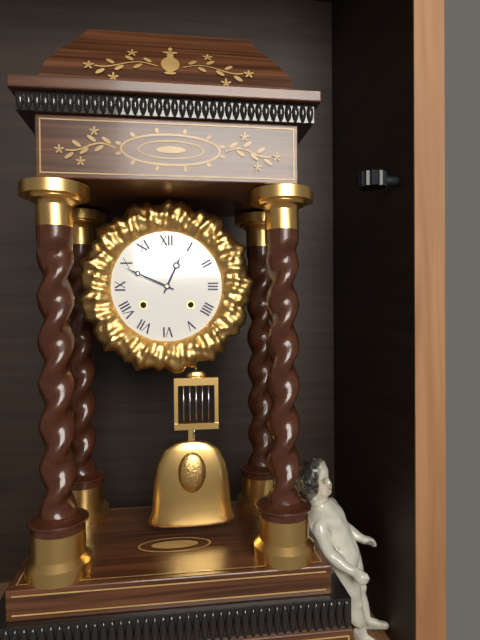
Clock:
h=12 m=49
